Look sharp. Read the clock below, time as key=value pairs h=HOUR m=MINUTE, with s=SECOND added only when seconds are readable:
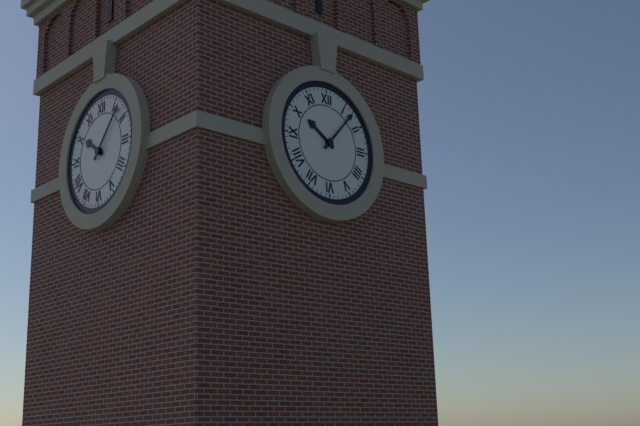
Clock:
h=10 m=7
